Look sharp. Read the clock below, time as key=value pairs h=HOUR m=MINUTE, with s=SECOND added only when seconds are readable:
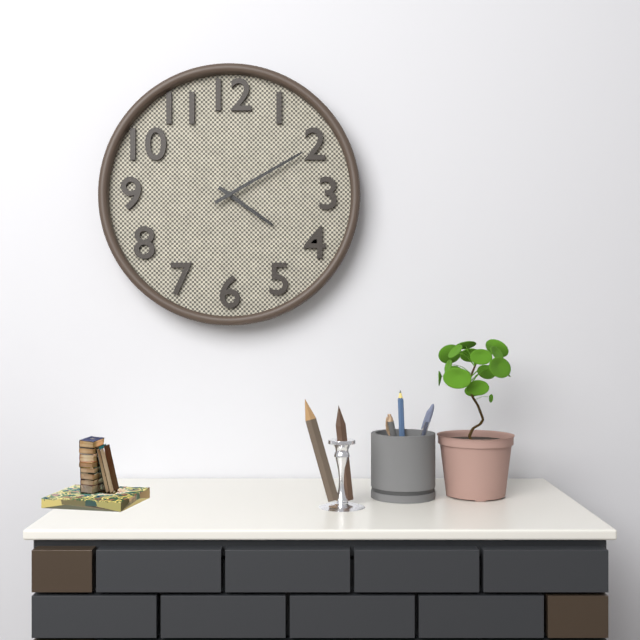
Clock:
h=4 m=10
